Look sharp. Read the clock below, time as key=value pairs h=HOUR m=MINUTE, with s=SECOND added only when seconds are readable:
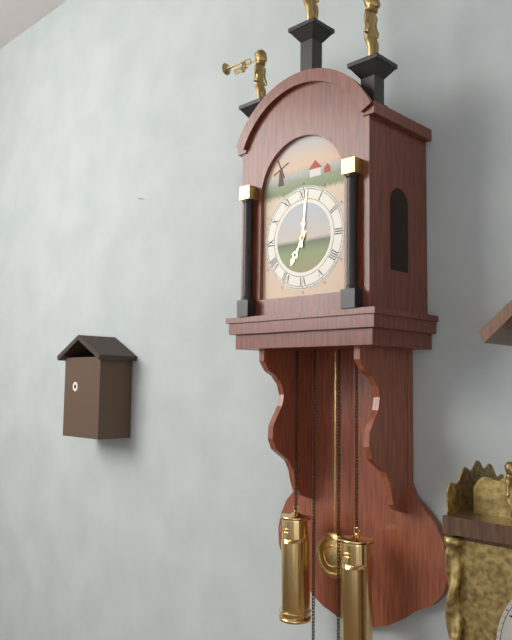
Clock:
h=7 m=1
